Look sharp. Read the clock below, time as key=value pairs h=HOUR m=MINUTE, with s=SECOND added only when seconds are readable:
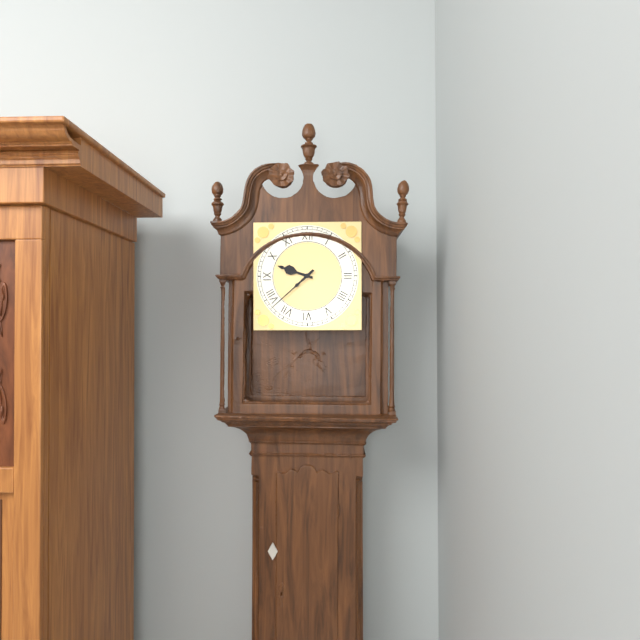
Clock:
h=9 m=38
